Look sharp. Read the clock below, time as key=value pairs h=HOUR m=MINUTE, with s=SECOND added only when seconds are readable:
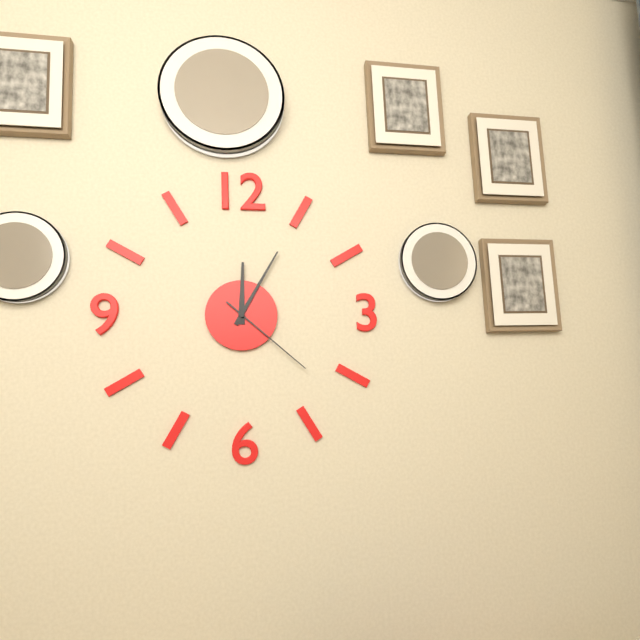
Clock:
h=12 m=5 s=22
